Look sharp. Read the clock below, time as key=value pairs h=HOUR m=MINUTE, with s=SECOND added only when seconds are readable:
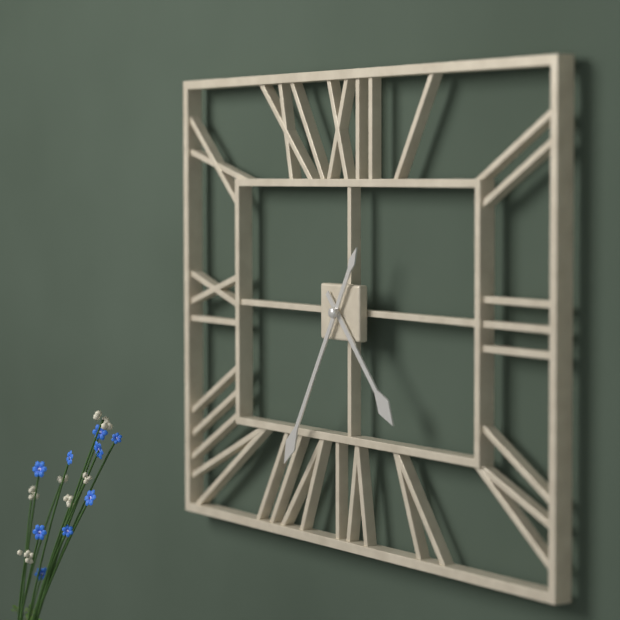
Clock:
h=4 m=35
